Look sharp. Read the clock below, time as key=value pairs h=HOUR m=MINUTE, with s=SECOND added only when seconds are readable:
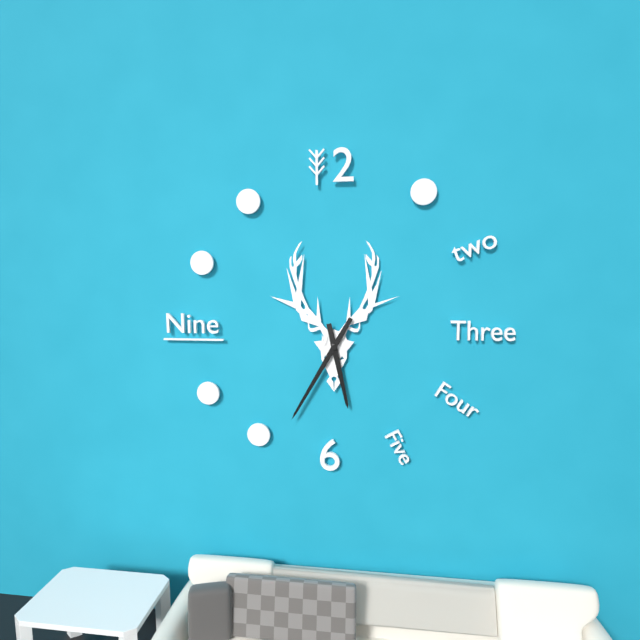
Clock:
h=5 m=35
